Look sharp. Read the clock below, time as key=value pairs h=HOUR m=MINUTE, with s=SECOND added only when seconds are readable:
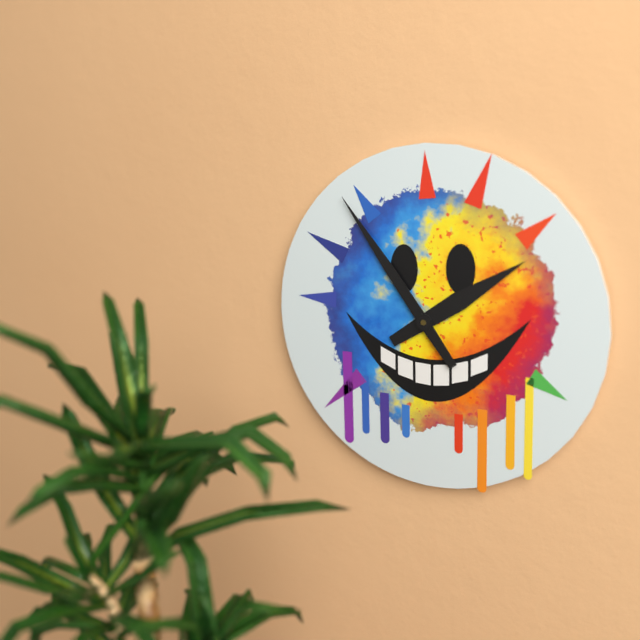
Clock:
h=1 m=54
